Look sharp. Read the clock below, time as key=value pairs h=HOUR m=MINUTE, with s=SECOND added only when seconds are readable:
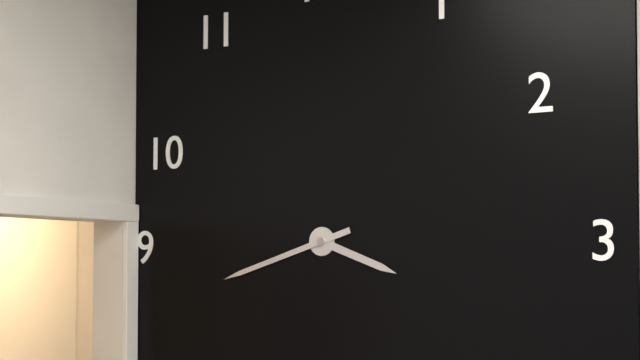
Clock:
h=3 m=42
